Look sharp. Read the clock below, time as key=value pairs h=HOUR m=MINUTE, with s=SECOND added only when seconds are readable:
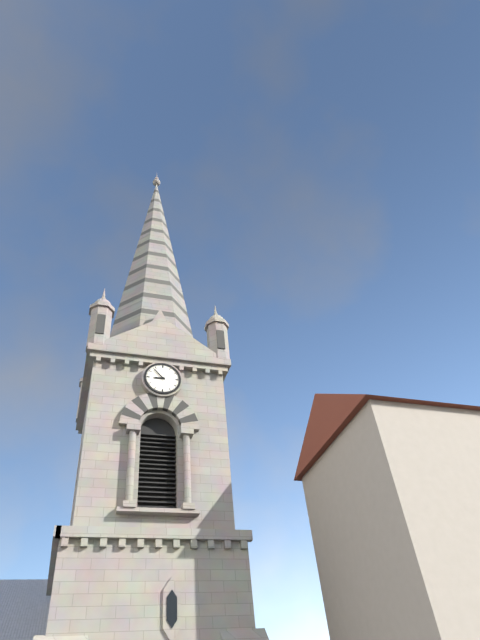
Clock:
h=8 m=53
